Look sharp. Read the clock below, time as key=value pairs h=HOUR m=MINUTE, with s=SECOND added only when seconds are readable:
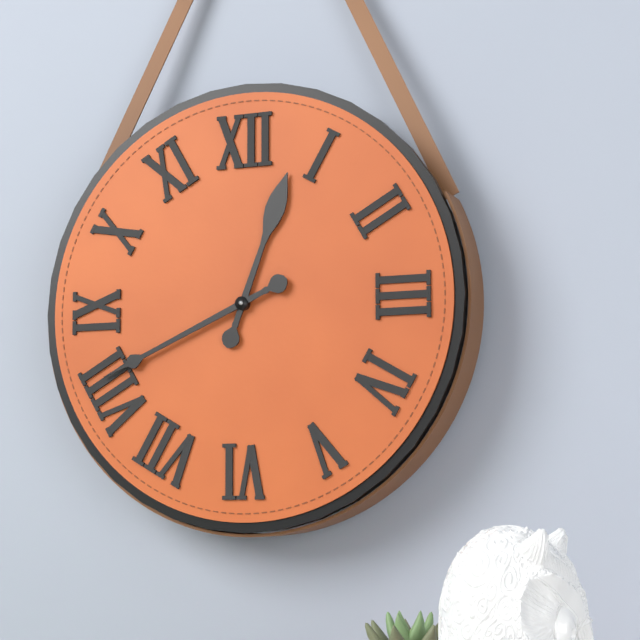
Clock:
h=12 m=41
